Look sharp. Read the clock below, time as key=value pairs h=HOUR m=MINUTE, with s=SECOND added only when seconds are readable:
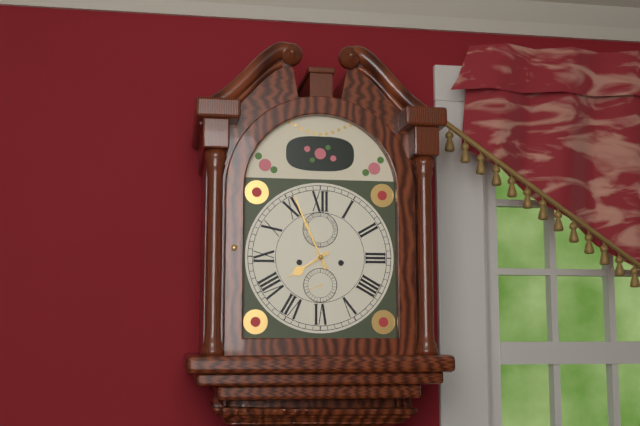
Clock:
h=7 m=56
